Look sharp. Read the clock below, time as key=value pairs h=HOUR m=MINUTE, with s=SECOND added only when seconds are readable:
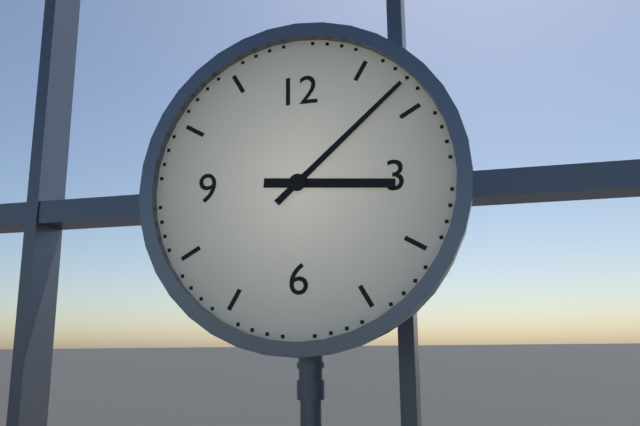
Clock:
h=3 m=8
